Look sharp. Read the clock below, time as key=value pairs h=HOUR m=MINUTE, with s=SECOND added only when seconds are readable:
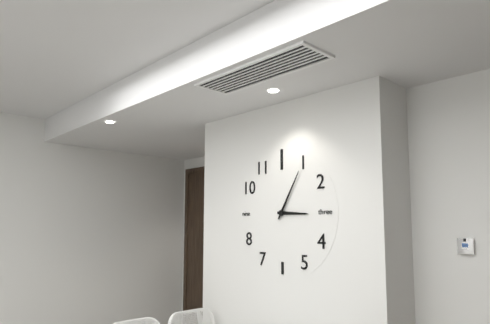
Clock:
h=3 m=5
